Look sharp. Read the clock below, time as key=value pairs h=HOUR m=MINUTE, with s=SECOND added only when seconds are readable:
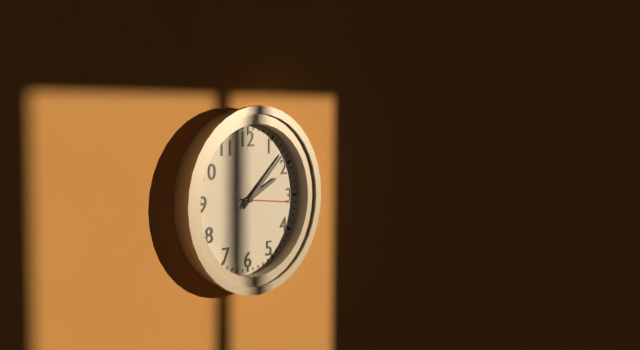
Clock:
h=2 m=8 s=16
